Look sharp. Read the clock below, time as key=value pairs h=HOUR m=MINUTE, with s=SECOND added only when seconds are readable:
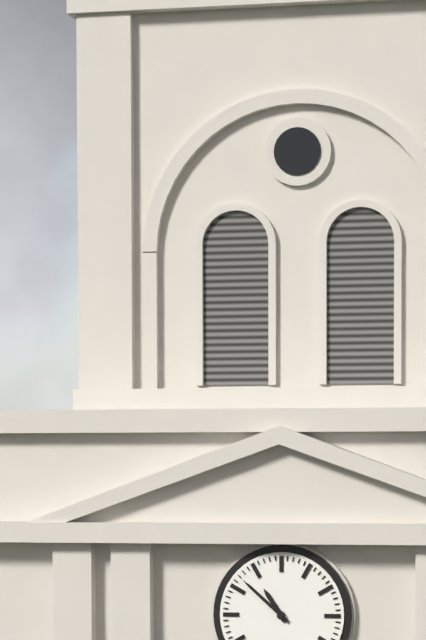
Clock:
h=10 m=52
